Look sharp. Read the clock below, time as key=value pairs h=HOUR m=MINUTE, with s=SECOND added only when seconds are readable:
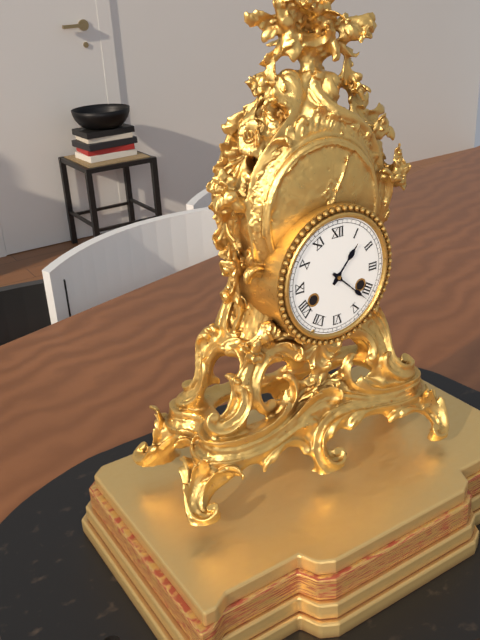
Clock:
h=1 m=22
